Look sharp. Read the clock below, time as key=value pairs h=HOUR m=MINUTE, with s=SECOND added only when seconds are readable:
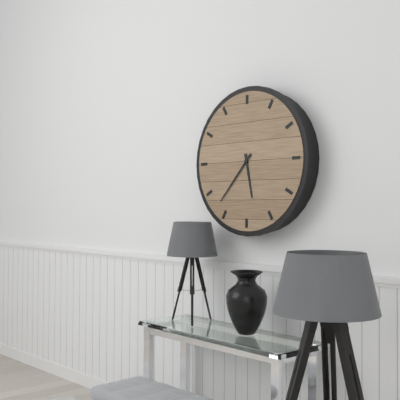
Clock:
h=5 m=37
